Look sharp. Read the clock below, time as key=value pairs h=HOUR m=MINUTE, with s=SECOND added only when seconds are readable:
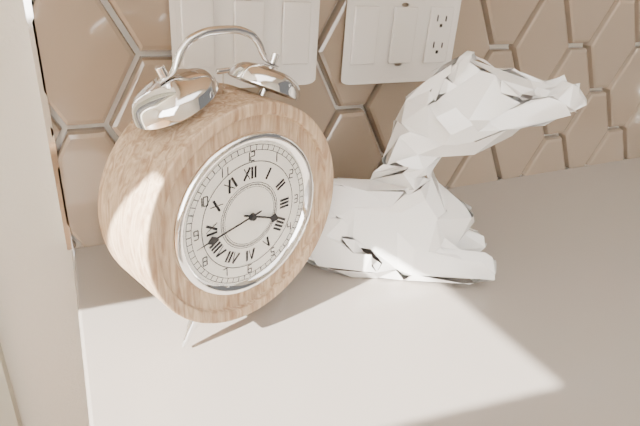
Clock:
h=3 m=43
